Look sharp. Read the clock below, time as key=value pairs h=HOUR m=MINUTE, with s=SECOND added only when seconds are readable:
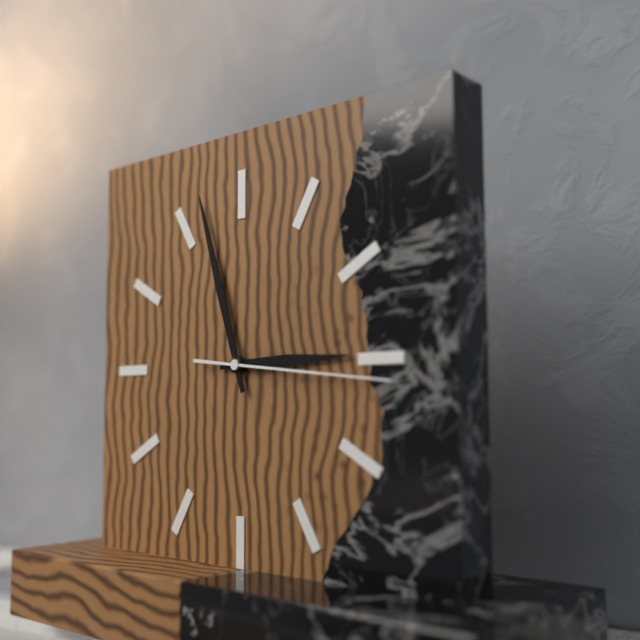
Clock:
h=2 m=57 s=16
